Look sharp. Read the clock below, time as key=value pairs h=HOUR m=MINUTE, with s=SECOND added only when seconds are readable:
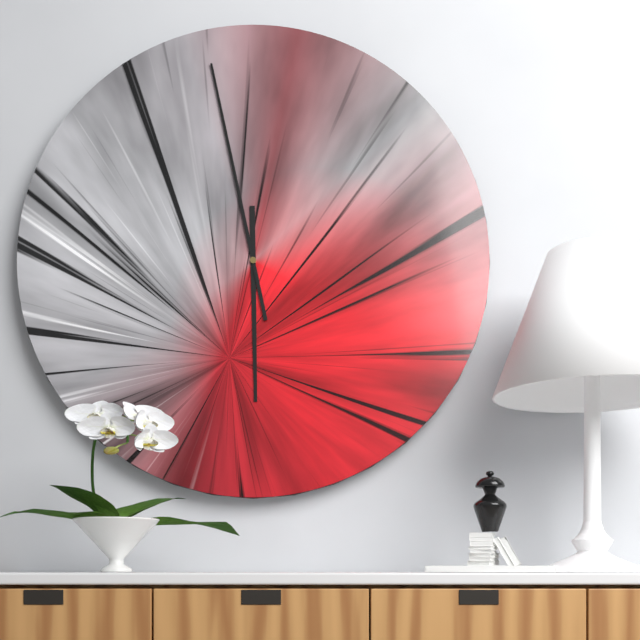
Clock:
h=5 m=58
